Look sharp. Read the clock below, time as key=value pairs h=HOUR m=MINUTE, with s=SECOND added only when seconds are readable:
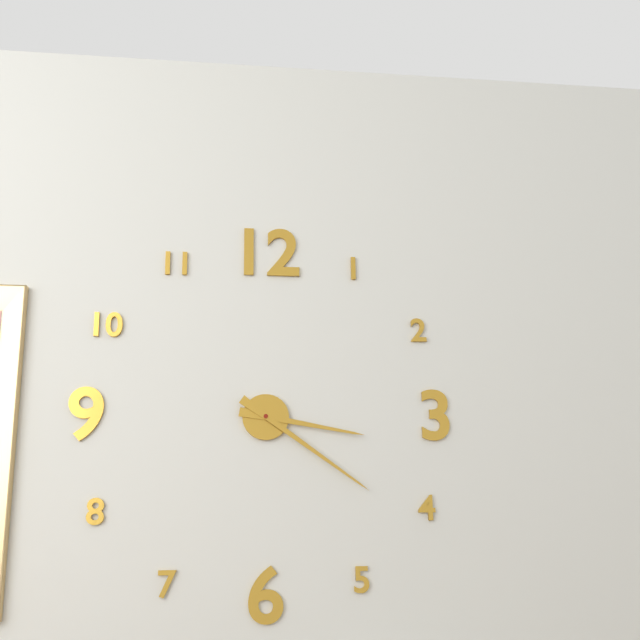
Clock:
h=3 m=21
